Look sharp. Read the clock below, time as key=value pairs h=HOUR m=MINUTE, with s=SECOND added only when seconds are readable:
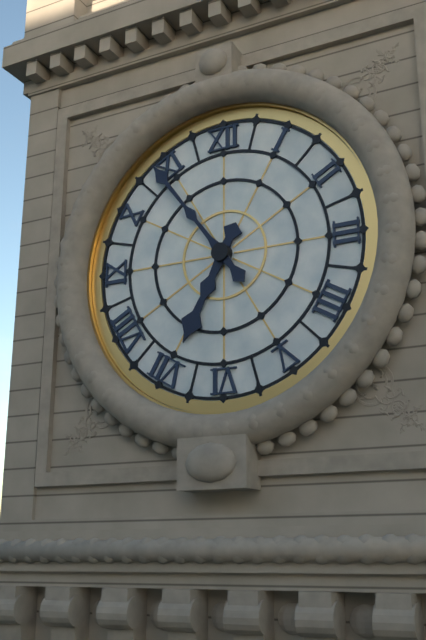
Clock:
h=6 m=54
